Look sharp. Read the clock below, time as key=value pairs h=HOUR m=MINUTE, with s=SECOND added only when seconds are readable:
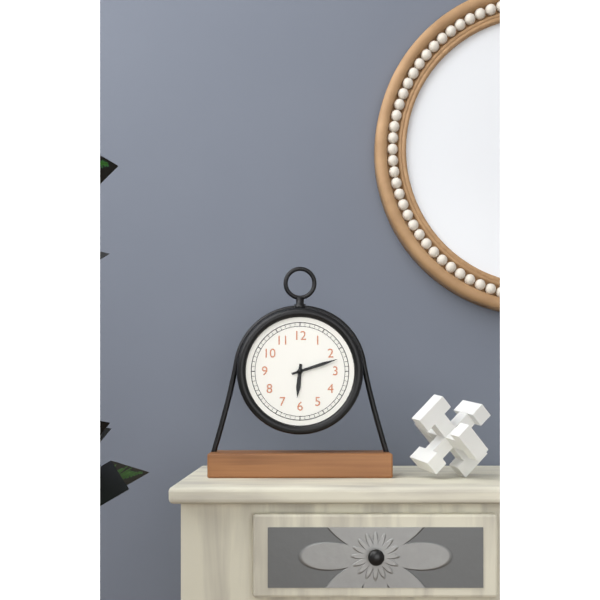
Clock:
h=6 m=12
